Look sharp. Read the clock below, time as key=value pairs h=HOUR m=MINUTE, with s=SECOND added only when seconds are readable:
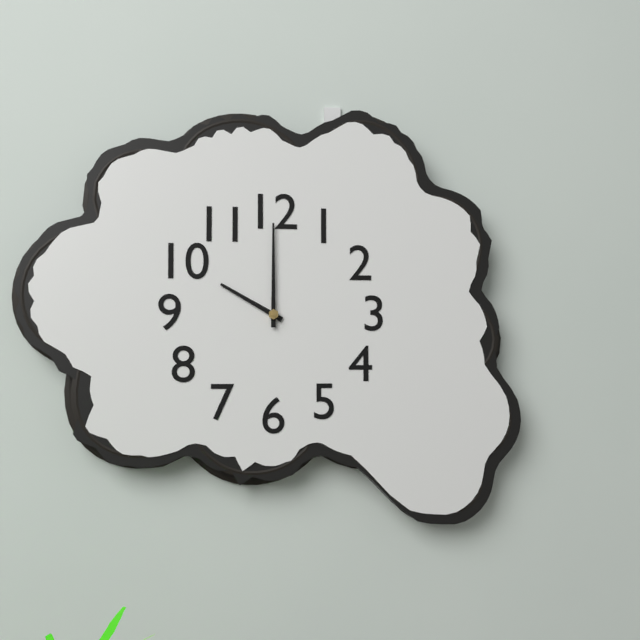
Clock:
h=10 m=0
